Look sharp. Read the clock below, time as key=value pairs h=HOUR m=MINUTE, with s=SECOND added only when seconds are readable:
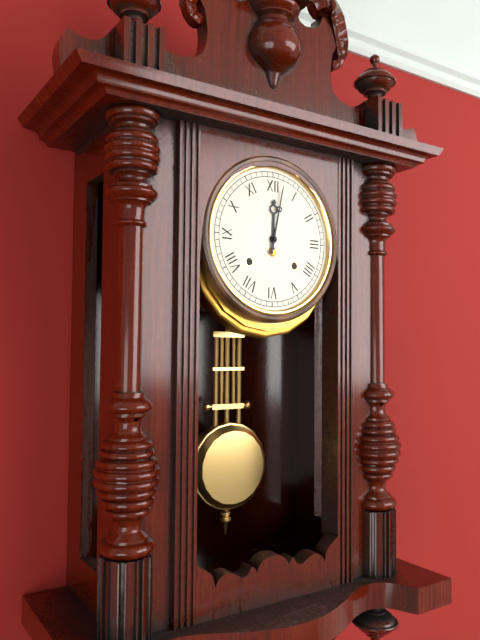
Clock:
h=12 m=2
